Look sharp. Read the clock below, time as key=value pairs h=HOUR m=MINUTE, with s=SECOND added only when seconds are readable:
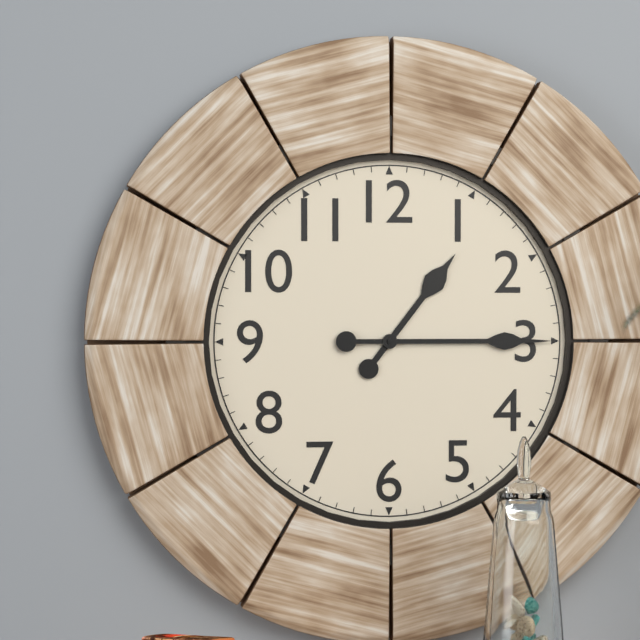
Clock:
h=1 m=15
